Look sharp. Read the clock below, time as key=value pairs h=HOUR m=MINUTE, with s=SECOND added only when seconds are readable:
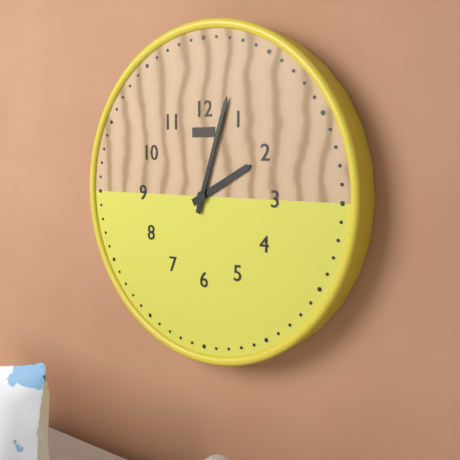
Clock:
h=2 m=3
